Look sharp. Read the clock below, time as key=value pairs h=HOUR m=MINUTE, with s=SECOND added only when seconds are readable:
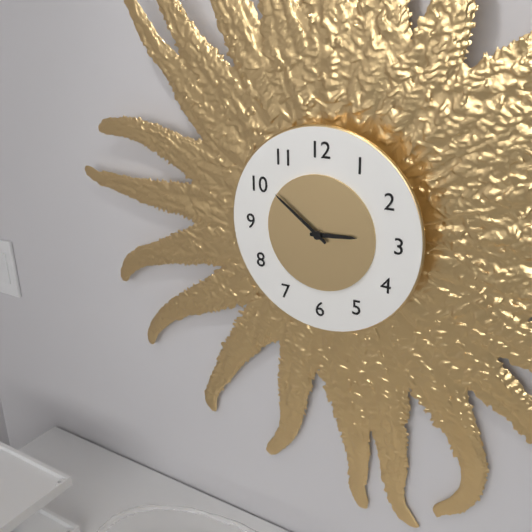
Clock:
h=2 m=51
